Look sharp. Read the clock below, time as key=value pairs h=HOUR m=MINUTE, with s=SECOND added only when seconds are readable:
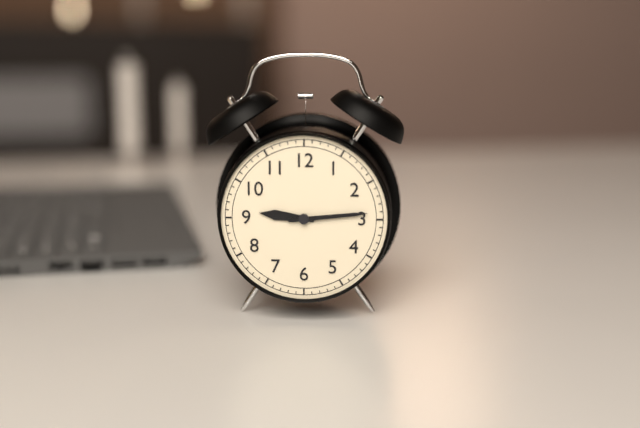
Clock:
h=9 m=14
